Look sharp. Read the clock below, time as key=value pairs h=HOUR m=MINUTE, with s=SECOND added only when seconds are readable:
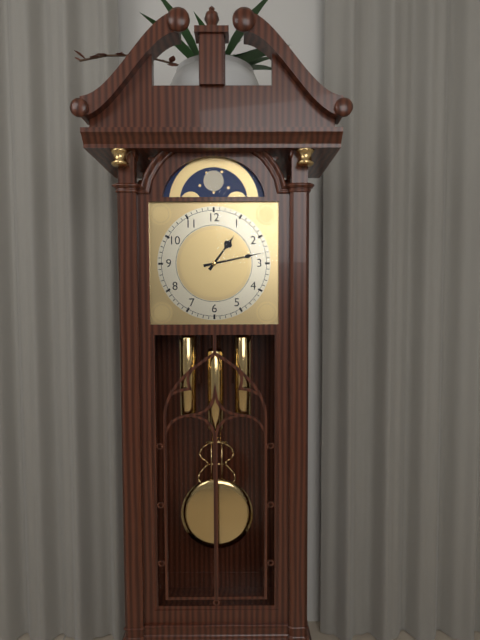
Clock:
h=1 m=13
